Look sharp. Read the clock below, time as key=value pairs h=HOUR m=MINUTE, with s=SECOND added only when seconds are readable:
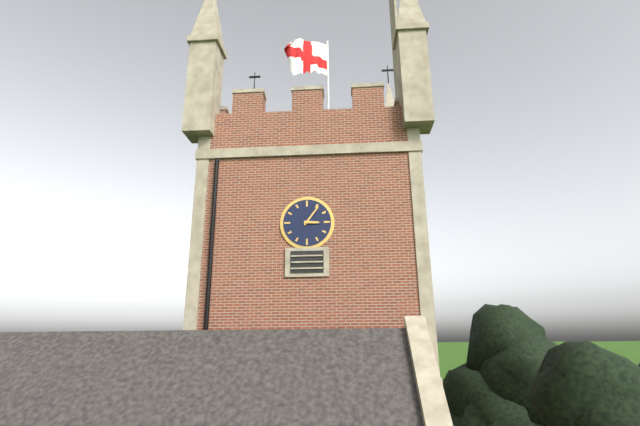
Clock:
h=3 m=6
